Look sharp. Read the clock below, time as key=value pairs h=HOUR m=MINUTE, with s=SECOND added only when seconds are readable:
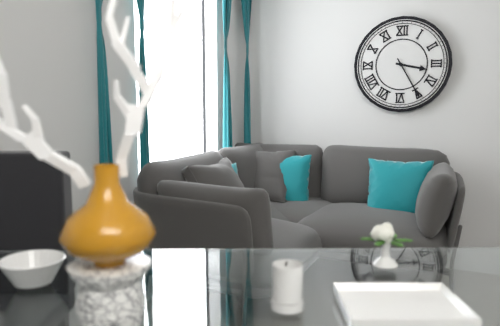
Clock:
h=3 m=25
